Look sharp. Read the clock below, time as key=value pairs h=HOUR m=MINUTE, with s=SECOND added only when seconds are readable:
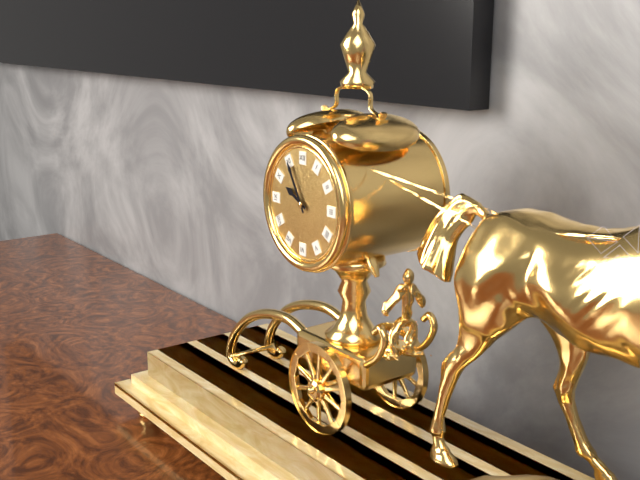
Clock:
h=9 m=55
